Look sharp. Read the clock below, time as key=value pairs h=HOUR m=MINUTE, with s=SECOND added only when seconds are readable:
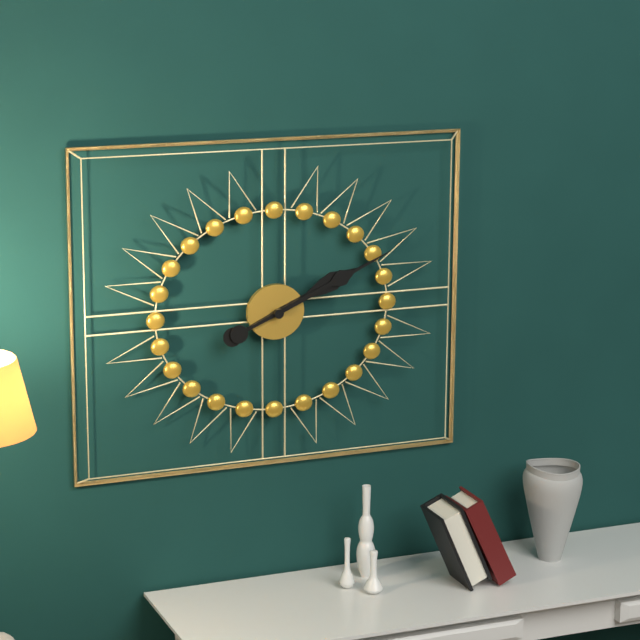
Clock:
h=2 m=11
